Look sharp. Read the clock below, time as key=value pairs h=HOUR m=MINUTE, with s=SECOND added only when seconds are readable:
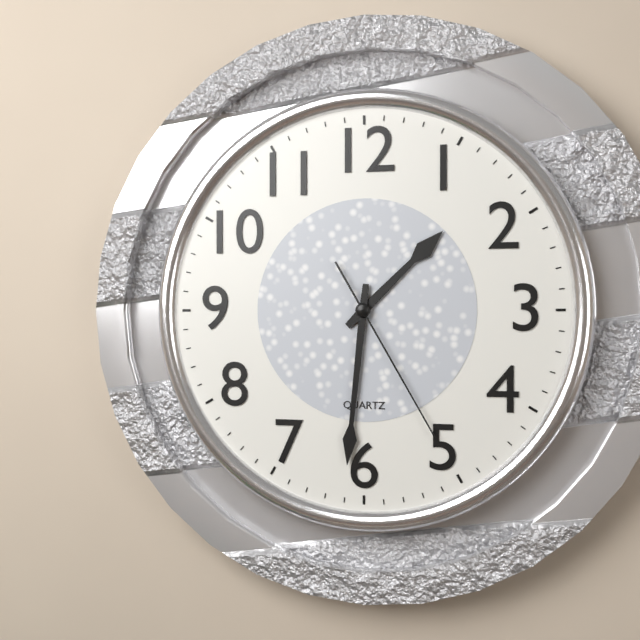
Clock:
h=1 m=31 s=25
